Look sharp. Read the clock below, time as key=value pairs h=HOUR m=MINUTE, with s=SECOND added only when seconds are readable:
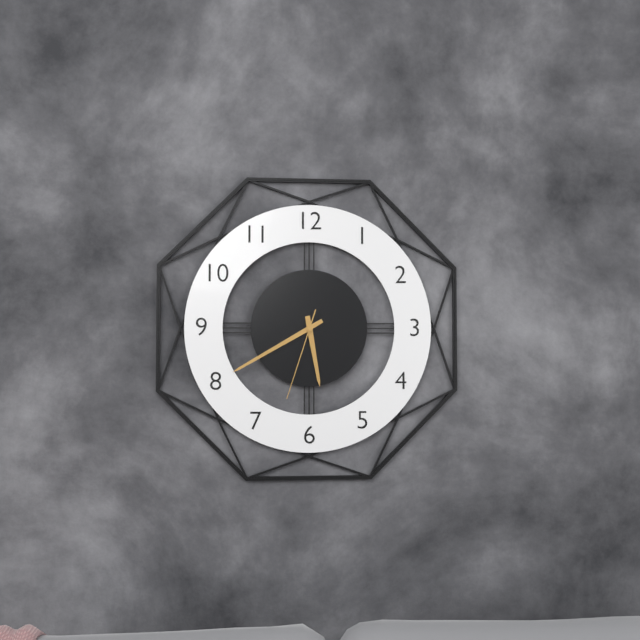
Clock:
h=5 m=40 s=33
